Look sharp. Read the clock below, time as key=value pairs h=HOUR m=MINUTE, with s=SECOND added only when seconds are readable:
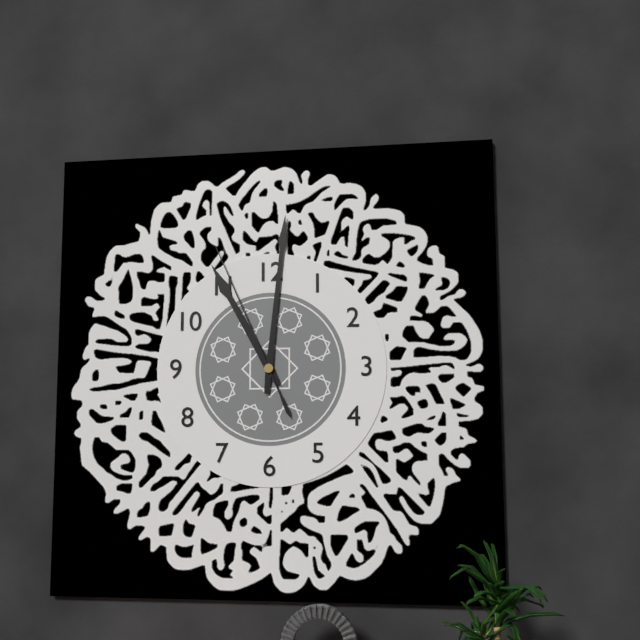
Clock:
h=11 m=1 s=56
